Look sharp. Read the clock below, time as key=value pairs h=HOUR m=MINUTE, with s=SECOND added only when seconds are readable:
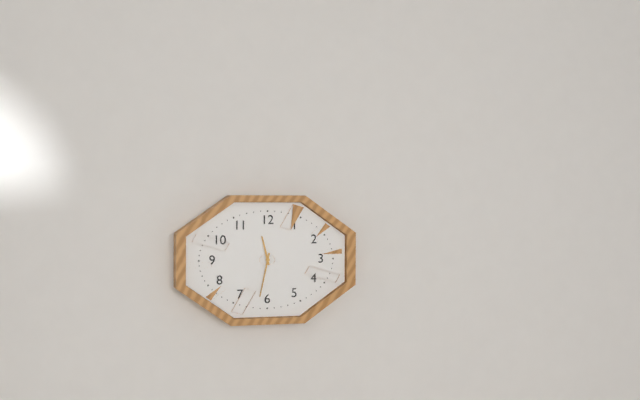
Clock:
h=11 m=32
